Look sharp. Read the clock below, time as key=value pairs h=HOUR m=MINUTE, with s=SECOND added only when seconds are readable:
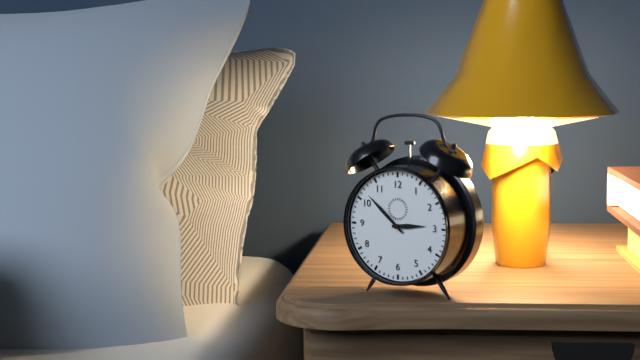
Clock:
h=2 m=52
